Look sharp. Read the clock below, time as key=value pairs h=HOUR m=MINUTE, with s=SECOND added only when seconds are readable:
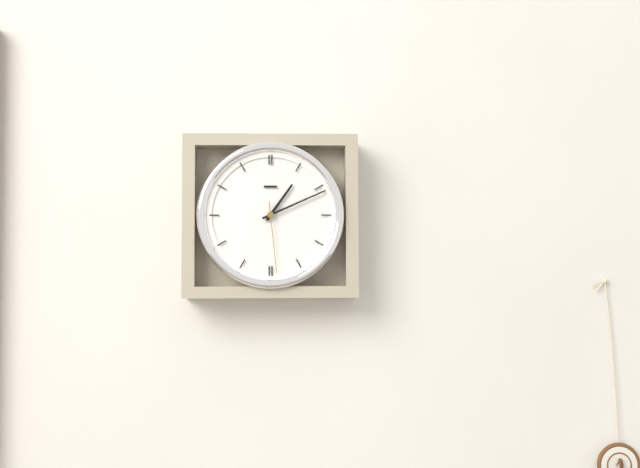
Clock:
h=1 m=11 s=29
